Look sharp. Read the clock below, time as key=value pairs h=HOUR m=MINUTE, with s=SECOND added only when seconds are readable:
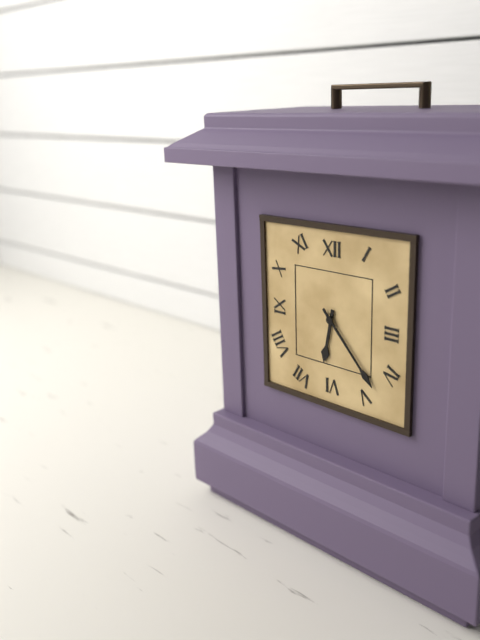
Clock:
h=6 m=23
